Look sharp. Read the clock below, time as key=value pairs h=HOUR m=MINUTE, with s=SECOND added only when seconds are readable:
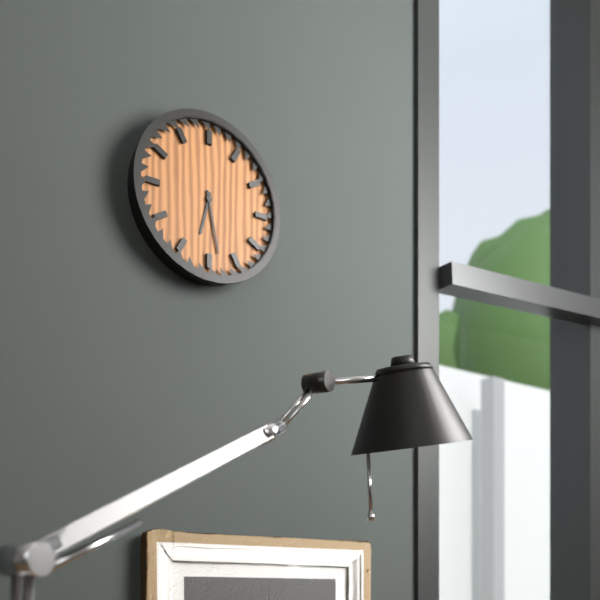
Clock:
h=6 m=28
